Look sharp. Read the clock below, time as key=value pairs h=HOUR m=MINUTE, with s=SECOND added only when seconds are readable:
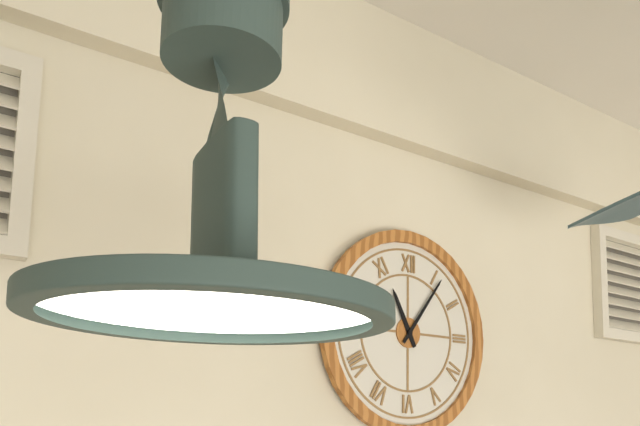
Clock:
h=11 m=6
